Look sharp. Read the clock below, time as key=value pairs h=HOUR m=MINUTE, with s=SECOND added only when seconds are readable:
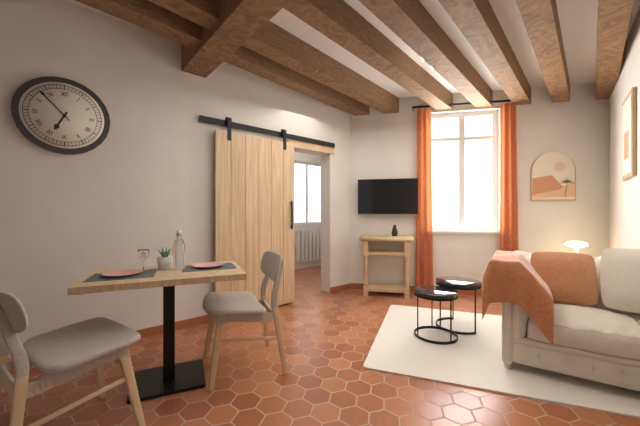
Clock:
h=6 m=53
